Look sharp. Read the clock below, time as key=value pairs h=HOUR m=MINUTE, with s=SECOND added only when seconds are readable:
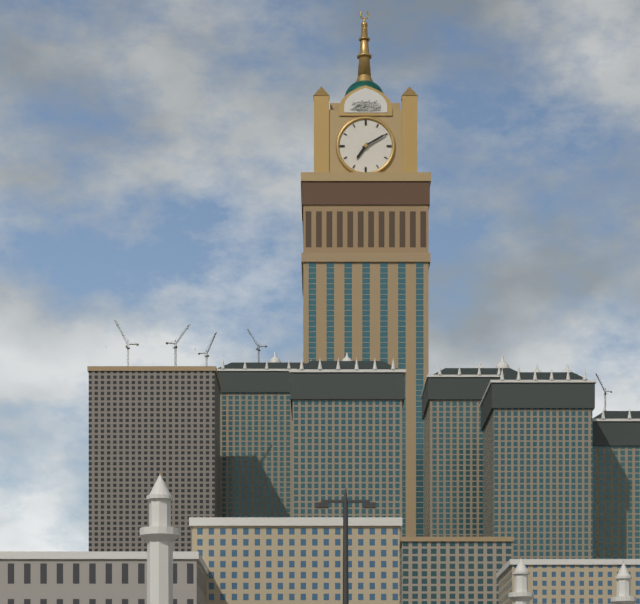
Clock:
h=7 m=10
